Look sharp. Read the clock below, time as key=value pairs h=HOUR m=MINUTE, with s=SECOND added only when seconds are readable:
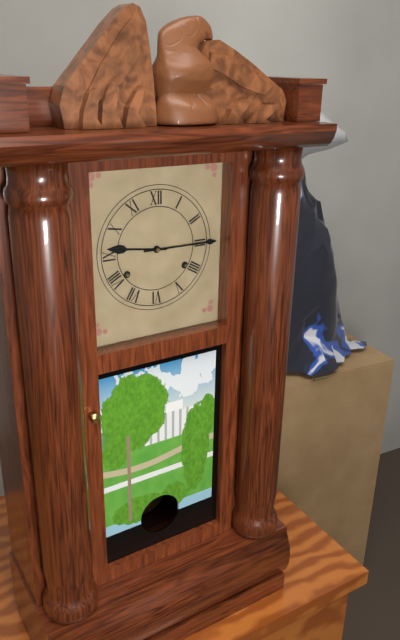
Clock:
h=9 m=15
